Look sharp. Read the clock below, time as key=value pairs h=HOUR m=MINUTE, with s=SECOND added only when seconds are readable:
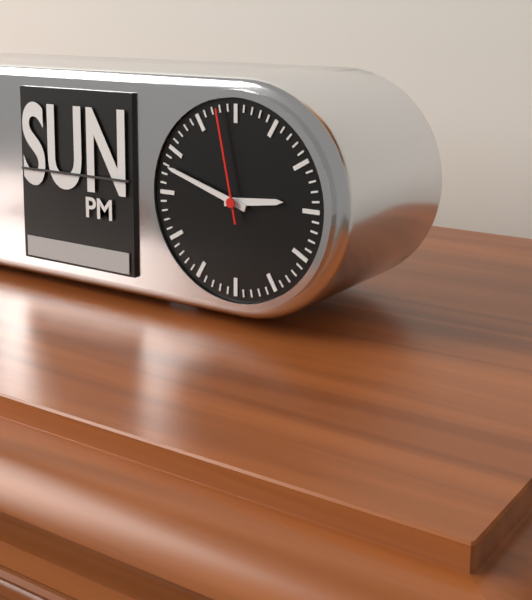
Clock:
h=2 m=48 s=58
